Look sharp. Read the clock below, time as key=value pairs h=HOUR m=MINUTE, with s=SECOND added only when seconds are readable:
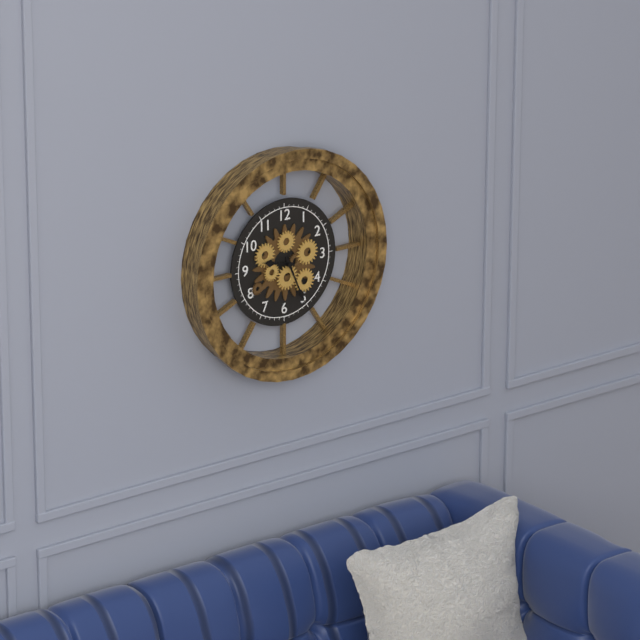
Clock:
h=9 m=26
